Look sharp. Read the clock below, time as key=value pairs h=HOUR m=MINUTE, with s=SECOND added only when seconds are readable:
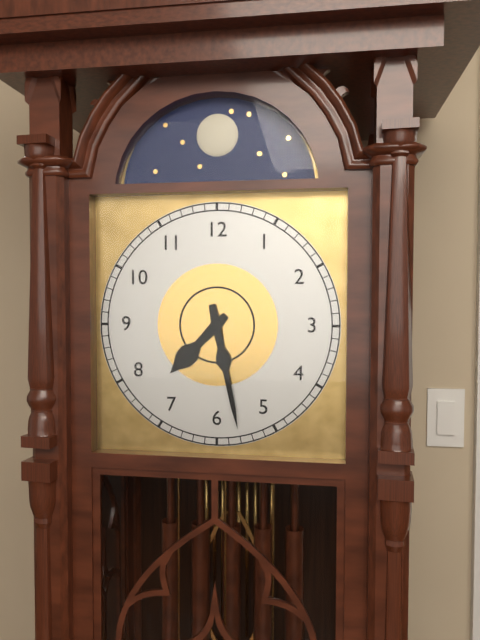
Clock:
h=7 m=28
